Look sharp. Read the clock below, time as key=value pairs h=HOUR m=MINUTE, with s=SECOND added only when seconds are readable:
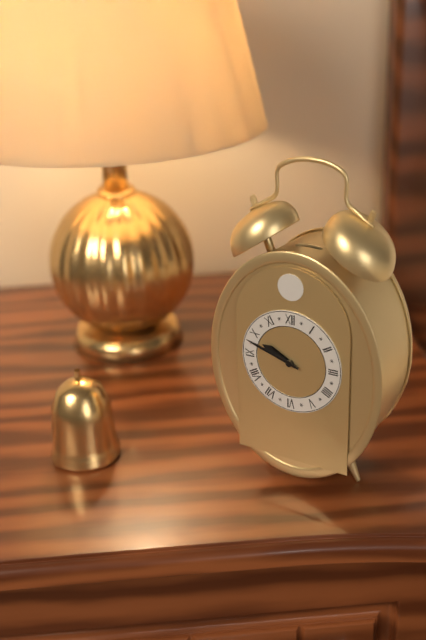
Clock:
h=9 m=48
